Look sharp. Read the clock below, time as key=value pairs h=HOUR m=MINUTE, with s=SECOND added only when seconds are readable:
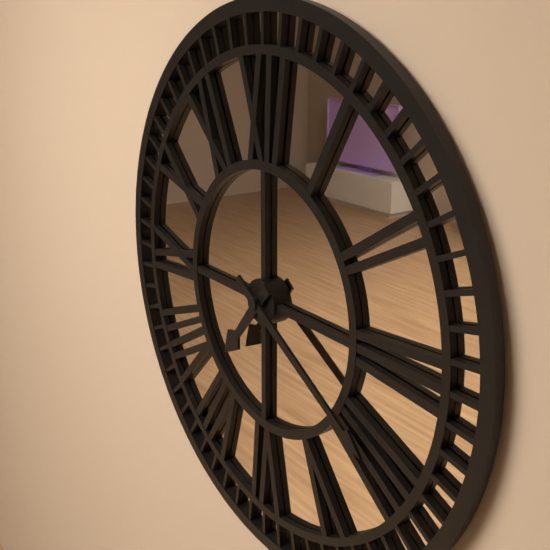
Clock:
h=7 m=20
